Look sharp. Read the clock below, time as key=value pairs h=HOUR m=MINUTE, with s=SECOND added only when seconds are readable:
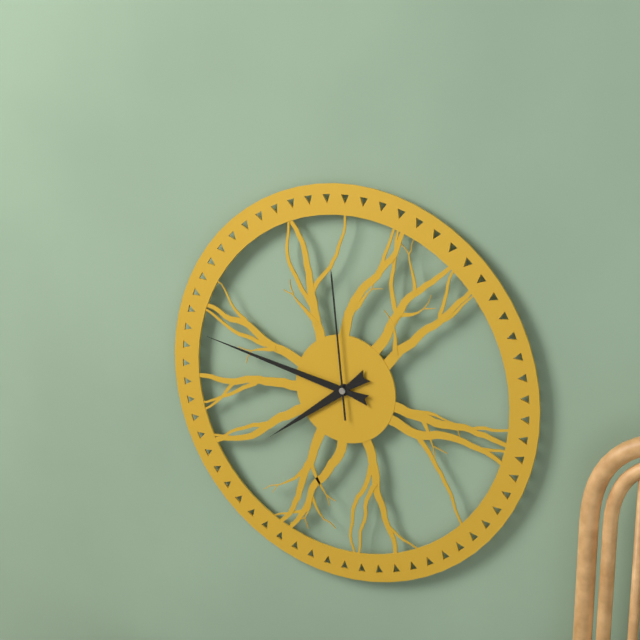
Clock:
h=7 m=47 s=59
